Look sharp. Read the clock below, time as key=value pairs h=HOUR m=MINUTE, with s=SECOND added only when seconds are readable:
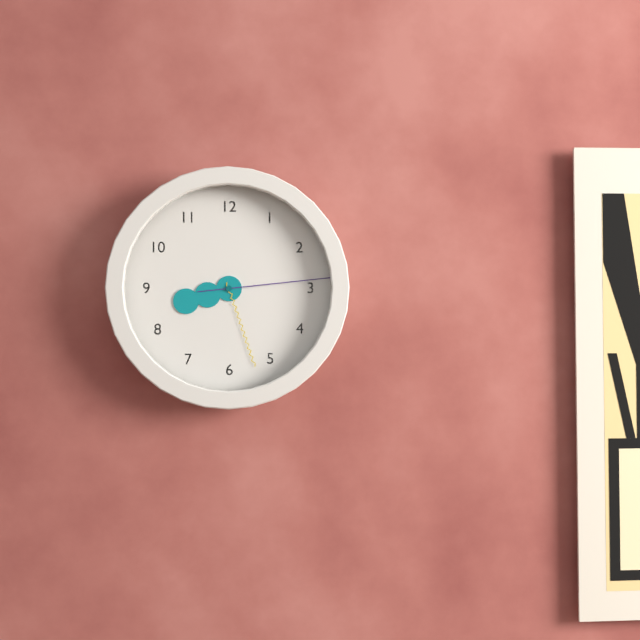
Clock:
h=8 m=27 s=14
